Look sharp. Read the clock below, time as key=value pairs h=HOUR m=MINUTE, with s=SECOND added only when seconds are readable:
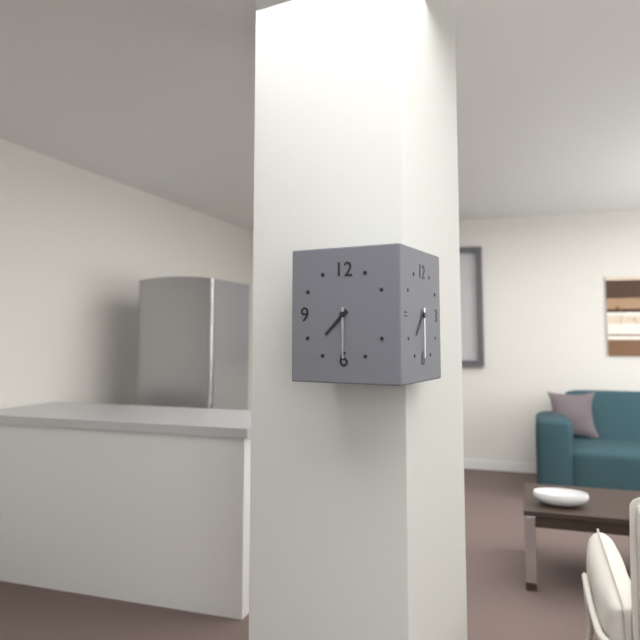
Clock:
h=7 m=30
